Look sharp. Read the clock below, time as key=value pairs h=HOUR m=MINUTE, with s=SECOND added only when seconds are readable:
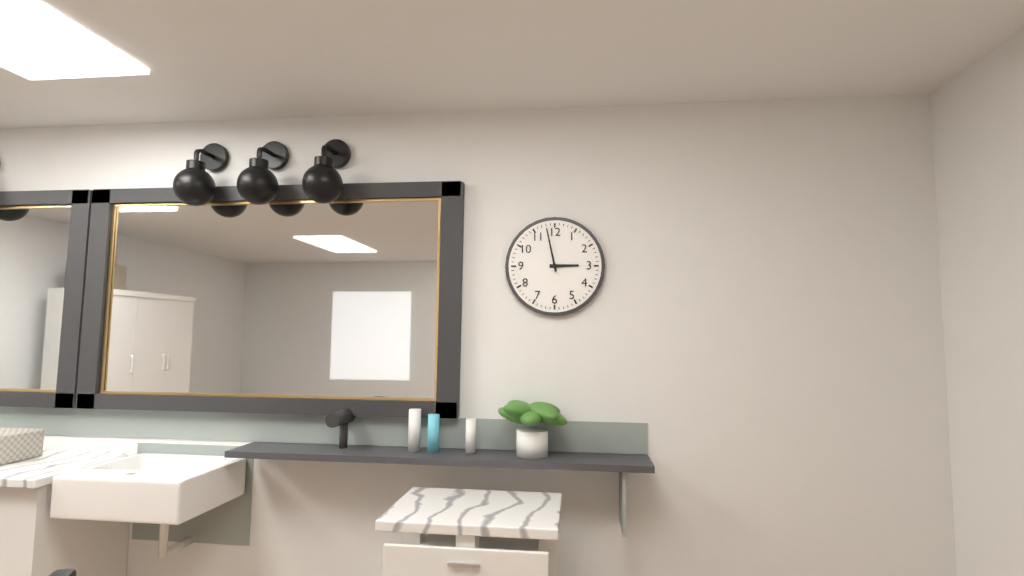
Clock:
h=2 m=58
